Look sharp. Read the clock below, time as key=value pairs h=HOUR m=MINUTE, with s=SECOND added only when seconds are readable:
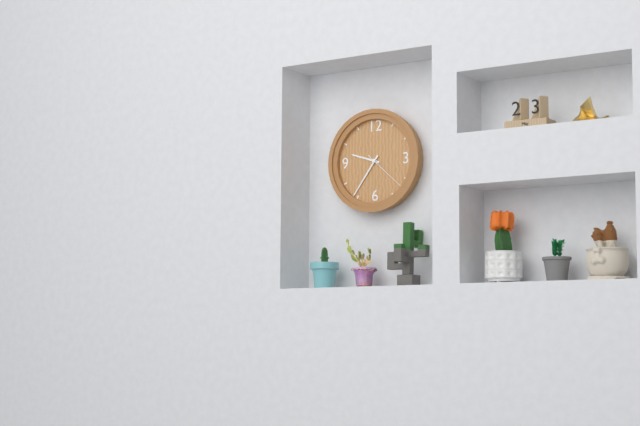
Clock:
h=9 m=36
